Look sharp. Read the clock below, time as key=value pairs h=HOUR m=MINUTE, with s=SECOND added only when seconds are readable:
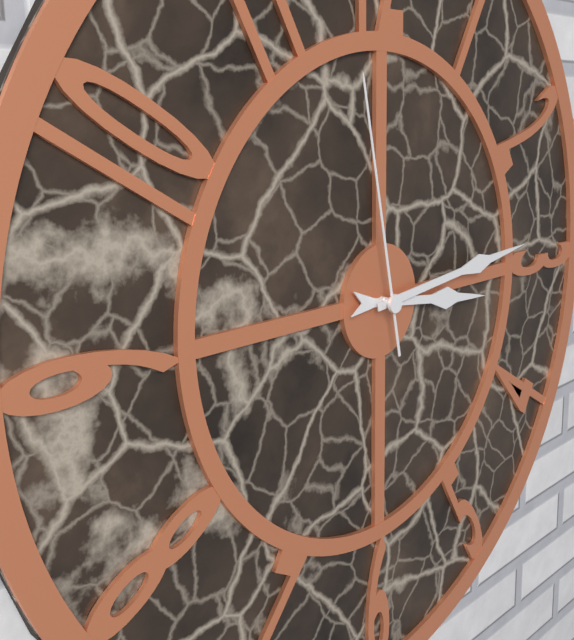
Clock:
h=3 m=14 s=58
